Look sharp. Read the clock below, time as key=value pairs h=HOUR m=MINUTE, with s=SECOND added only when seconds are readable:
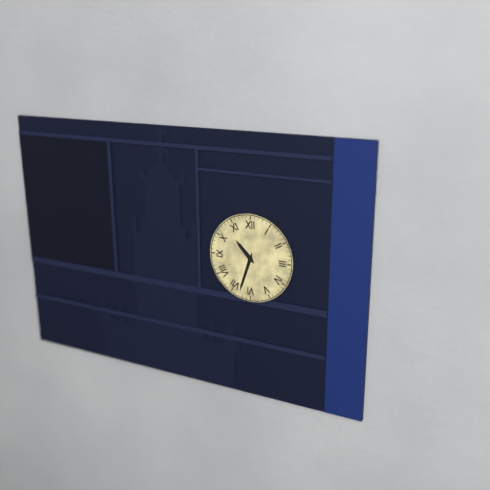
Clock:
h=10 m=33
